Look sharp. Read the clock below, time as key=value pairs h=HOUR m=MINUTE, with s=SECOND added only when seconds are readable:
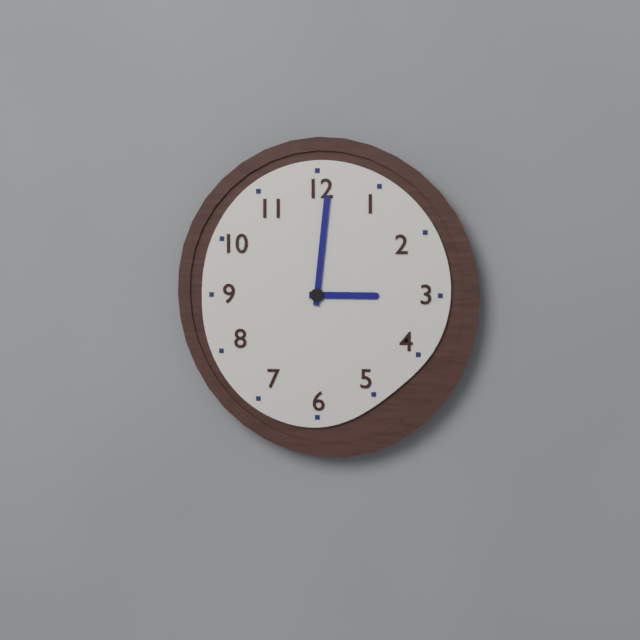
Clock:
h=3 m=1
